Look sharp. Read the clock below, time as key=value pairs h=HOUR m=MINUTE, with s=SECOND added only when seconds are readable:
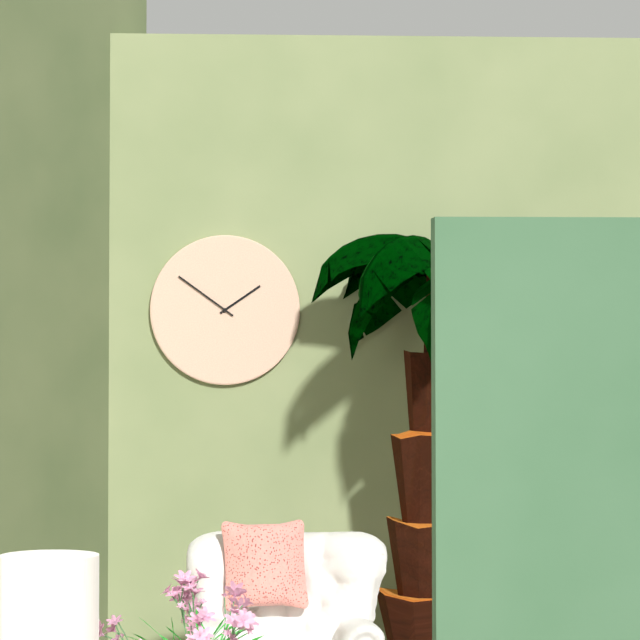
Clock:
h=1 m=51
